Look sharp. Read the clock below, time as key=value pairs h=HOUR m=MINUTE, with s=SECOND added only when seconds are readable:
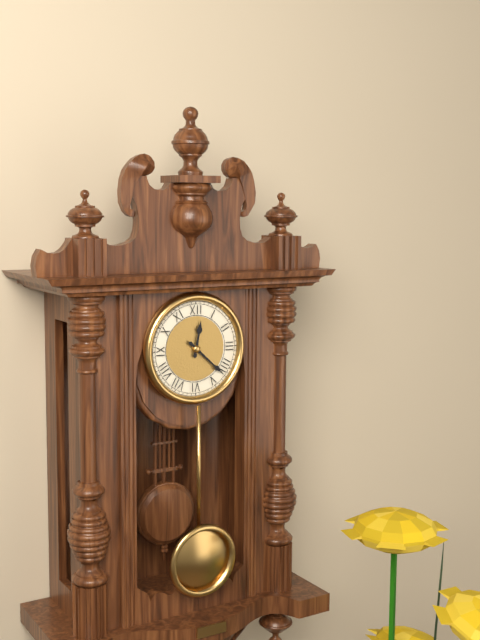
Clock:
h=12 m=22
